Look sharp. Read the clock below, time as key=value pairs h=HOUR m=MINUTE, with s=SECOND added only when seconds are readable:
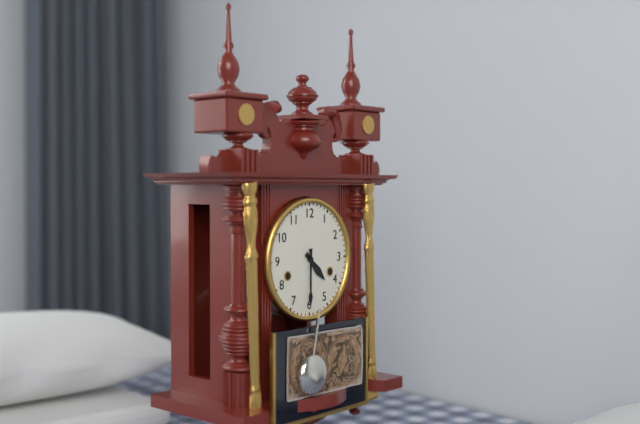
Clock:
h=4 m=30
